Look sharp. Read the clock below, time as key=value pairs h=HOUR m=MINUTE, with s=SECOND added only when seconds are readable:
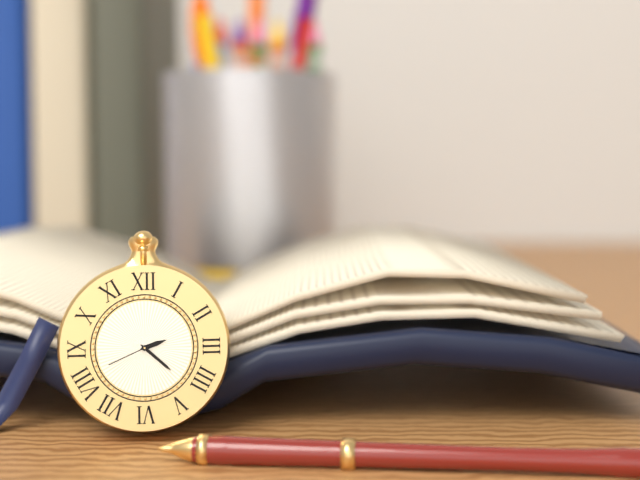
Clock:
h=2 m=22 s=41
